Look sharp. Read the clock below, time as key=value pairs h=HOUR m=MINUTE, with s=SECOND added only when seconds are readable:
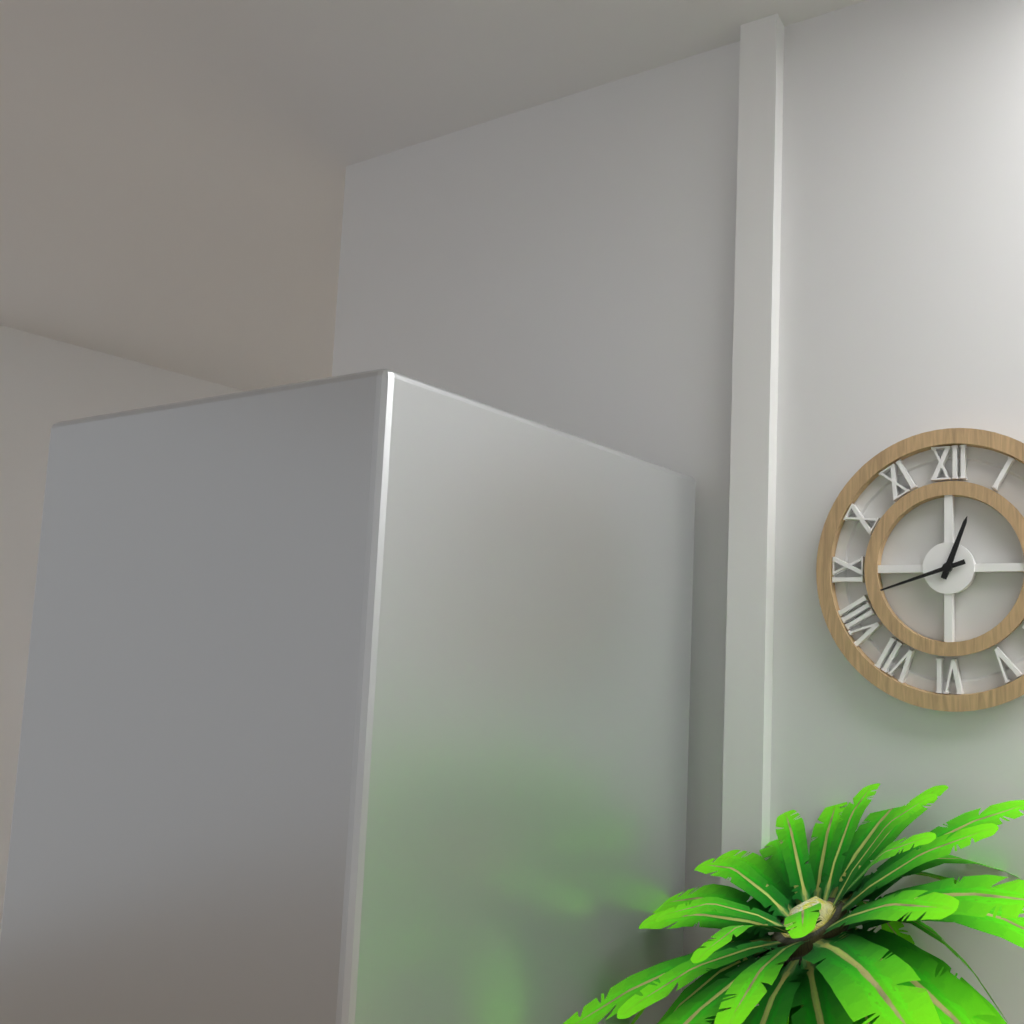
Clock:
h=12 m=42
